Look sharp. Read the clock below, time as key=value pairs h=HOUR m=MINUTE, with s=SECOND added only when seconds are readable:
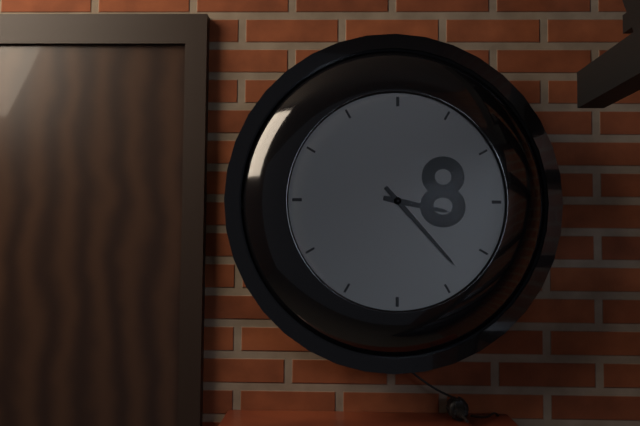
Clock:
h=3 m=23
